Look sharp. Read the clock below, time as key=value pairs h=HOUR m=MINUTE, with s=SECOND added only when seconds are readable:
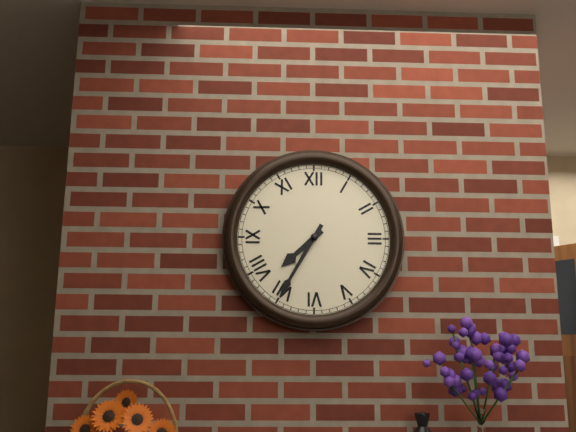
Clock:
h=7 m=35
